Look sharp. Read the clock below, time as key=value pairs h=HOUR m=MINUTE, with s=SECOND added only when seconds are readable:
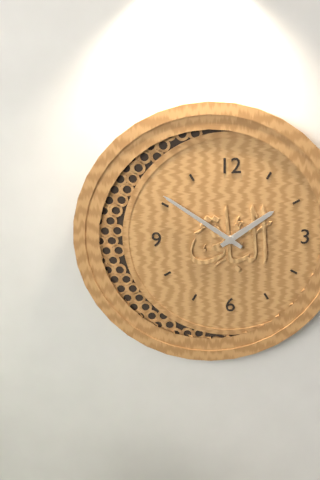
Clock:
h=1 m=51
